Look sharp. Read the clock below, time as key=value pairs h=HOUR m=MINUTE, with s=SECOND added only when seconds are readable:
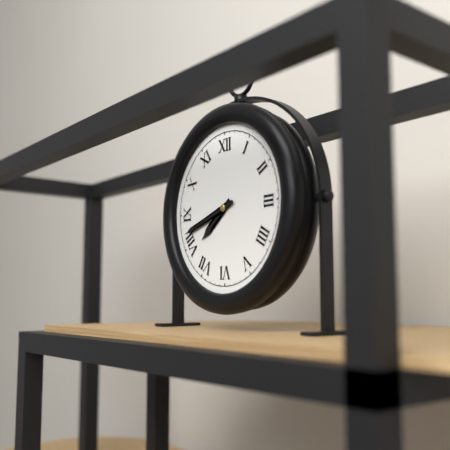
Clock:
h=7 m=42
